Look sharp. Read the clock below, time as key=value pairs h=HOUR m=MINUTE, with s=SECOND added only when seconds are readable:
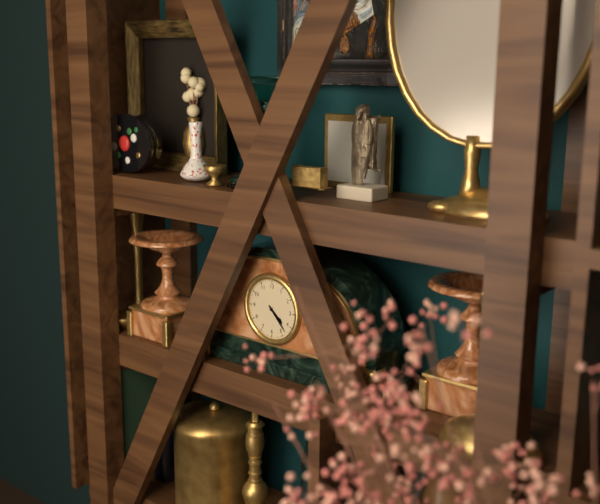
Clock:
h=4 m=23
